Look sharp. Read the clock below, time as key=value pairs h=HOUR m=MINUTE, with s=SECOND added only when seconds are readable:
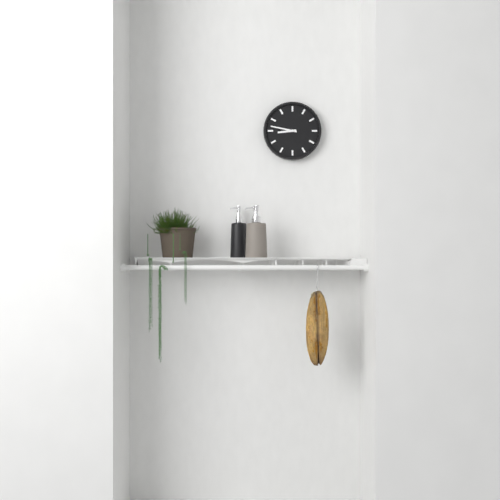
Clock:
h=8 m=47
